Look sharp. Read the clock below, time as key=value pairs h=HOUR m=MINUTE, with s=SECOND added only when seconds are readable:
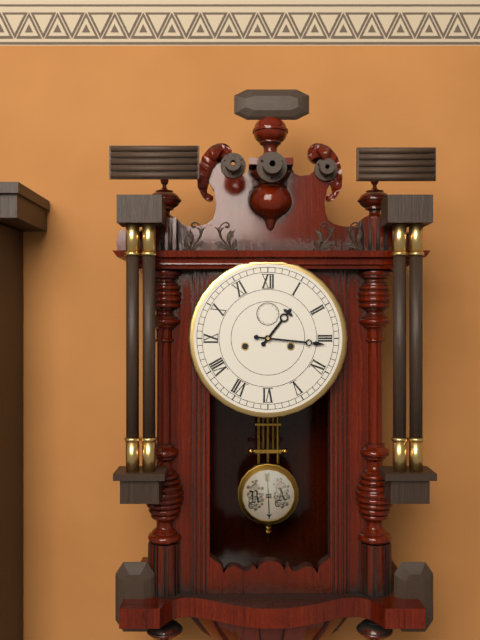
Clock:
h=1 m=16
